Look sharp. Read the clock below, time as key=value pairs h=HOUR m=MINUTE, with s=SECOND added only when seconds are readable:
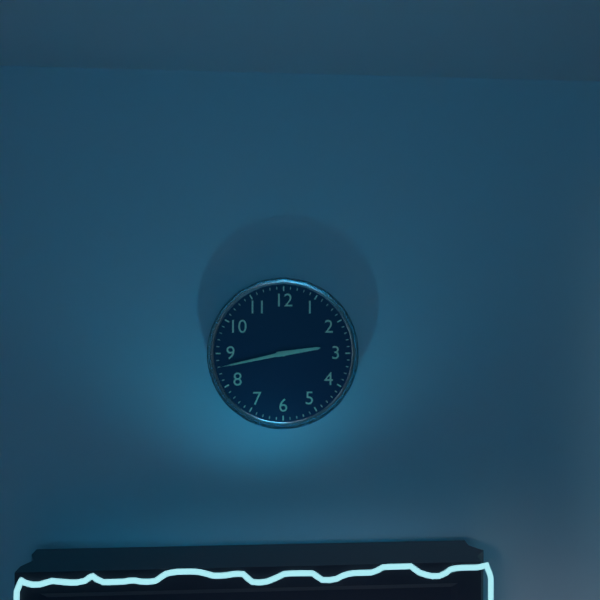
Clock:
h=2 m=43 s=43
